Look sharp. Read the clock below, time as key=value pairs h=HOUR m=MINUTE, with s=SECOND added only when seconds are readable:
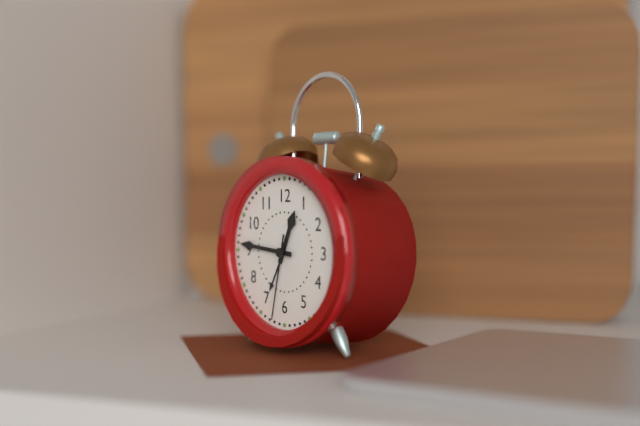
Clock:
h=12 m=46 s=32
